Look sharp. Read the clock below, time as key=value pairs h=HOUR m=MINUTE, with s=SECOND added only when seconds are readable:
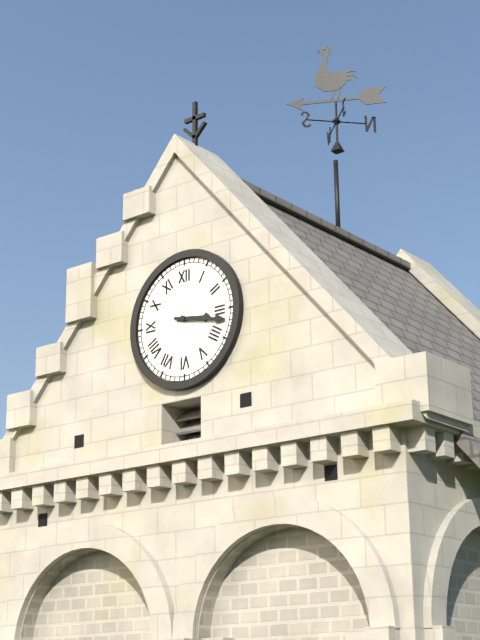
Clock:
h=3 m=17
